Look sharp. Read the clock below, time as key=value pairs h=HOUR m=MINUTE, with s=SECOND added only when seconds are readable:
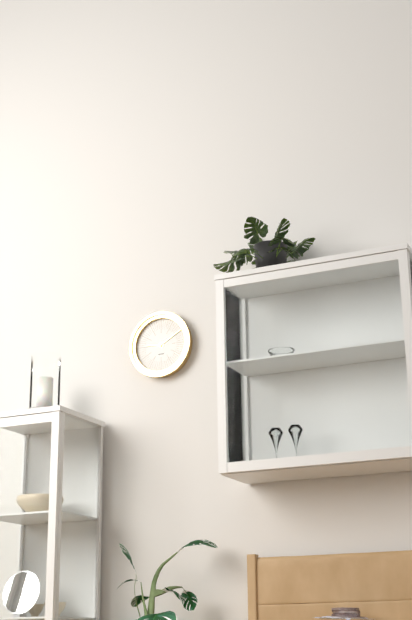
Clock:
h=9 m=10
